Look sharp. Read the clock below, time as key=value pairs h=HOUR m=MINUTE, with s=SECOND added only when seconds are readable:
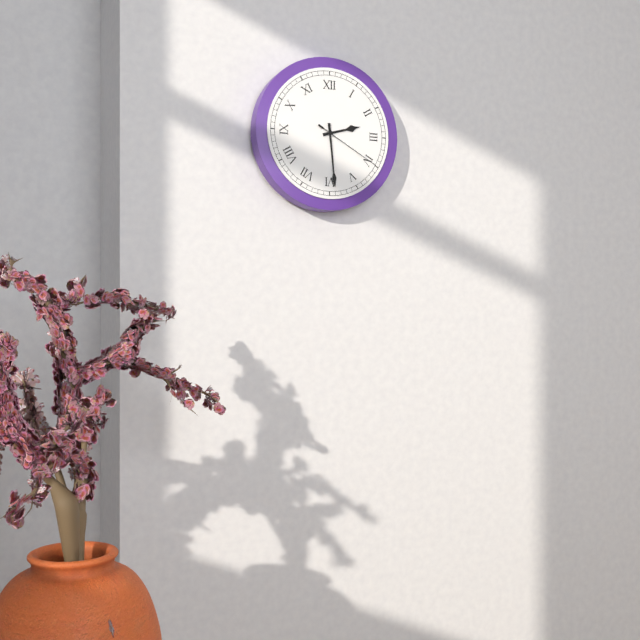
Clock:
h=2 m=29 s=20
